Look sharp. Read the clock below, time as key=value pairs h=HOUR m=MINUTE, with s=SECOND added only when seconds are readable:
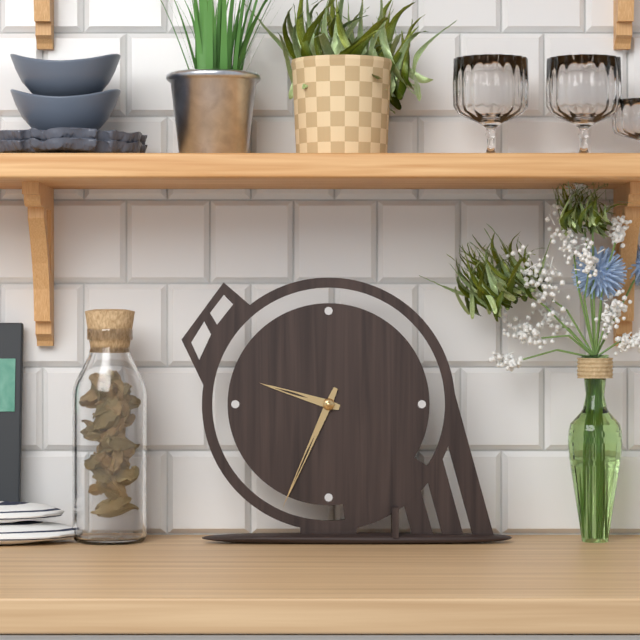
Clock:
h=9 m=34
